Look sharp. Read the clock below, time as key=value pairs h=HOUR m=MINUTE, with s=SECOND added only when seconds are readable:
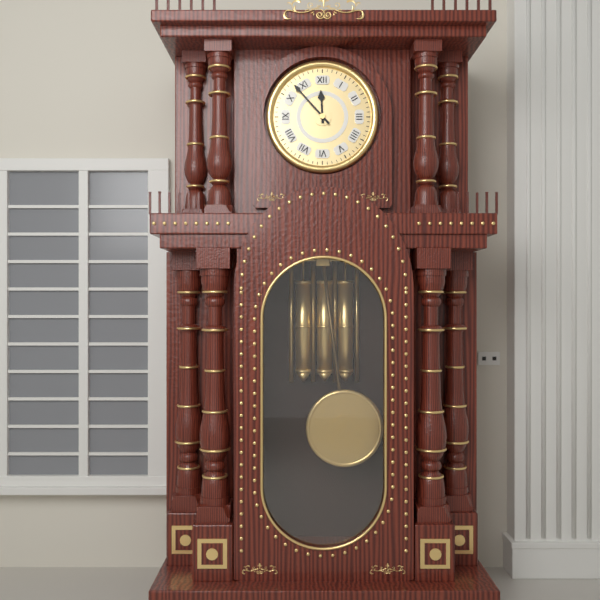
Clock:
h=11 m=53
